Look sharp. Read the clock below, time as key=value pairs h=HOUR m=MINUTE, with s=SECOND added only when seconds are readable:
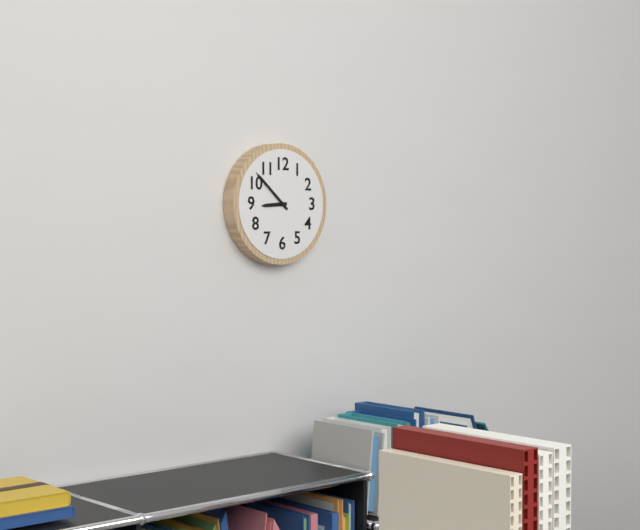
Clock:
h=8 m=52
